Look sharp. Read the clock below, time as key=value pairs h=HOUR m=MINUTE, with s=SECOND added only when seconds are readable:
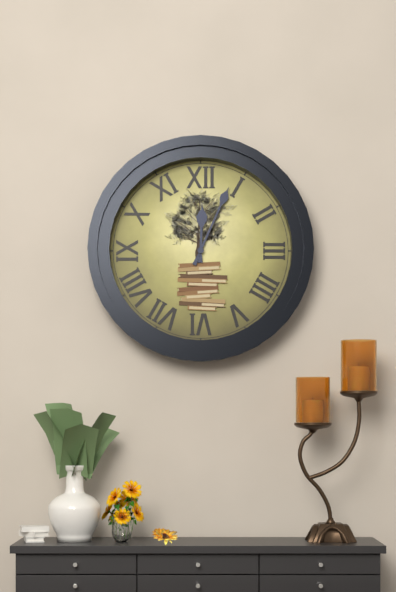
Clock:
h=12 m=4
